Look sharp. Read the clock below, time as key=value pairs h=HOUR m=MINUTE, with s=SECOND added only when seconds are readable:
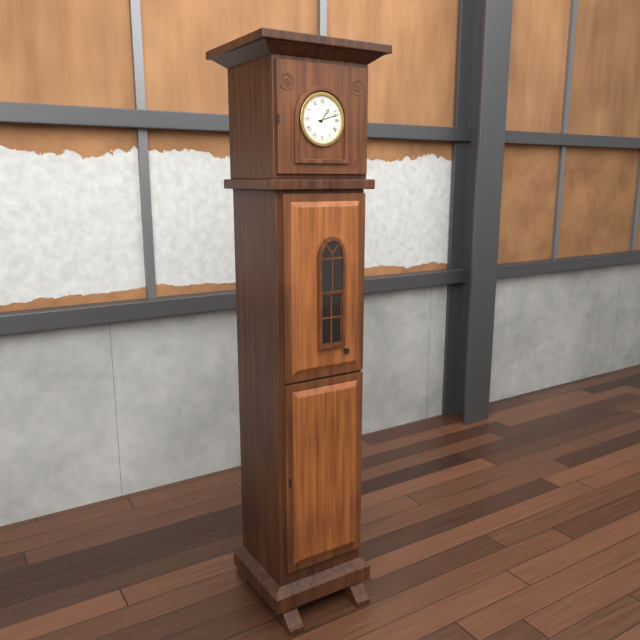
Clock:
h=1 m=12
